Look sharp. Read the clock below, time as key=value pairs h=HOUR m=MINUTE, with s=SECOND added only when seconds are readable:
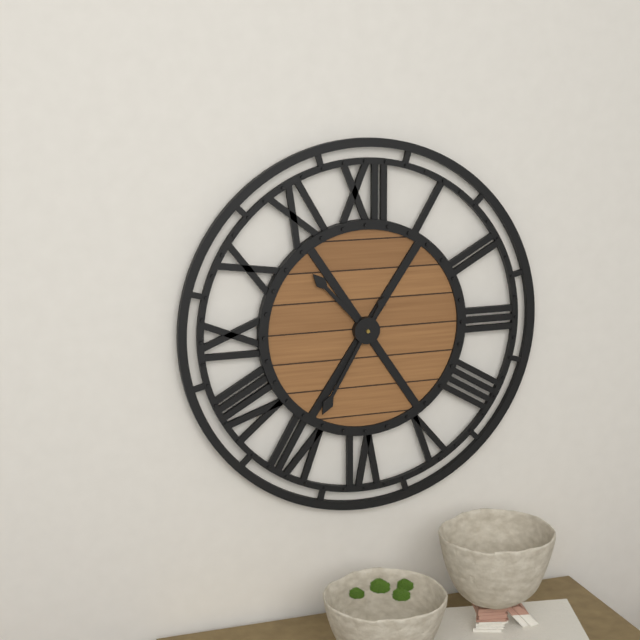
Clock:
h=10 m=35
